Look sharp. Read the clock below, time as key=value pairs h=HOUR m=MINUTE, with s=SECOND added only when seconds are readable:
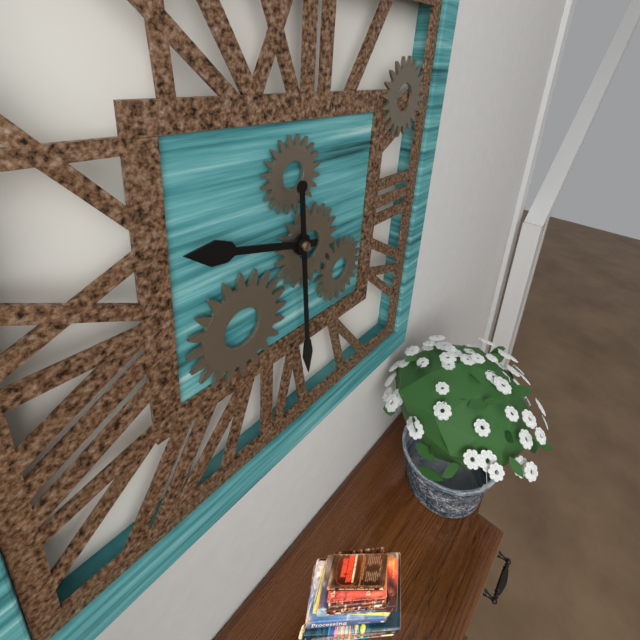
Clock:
h=9 m=29
